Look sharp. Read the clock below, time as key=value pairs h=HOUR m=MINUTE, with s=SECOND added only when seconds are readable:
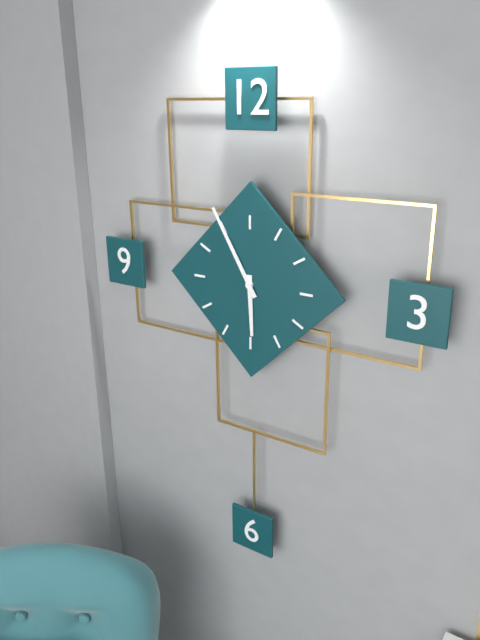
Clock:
h=5 m=55
